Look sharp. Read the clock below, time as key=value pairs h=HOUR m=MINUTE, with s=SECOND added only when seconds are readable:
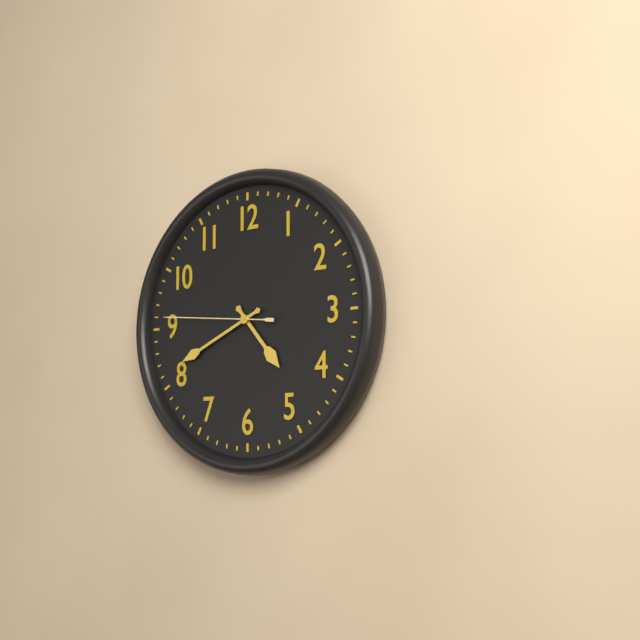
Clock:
h=4 m=41 s=46
